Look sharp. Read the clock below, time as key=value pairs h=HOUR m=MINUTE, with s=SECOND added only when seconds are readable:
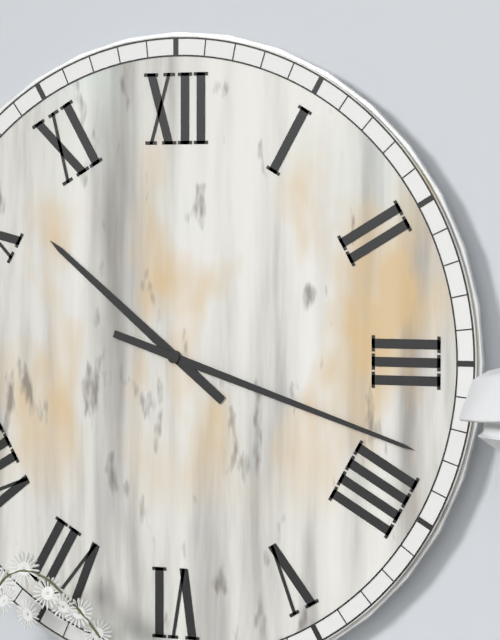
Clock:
h=10 m=18
